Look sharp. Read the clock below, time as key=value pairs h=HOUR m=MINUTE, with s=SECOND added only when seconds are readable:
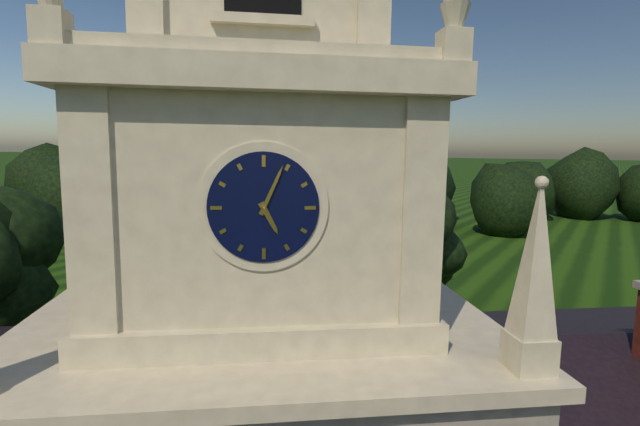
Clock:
h=5 m=4
